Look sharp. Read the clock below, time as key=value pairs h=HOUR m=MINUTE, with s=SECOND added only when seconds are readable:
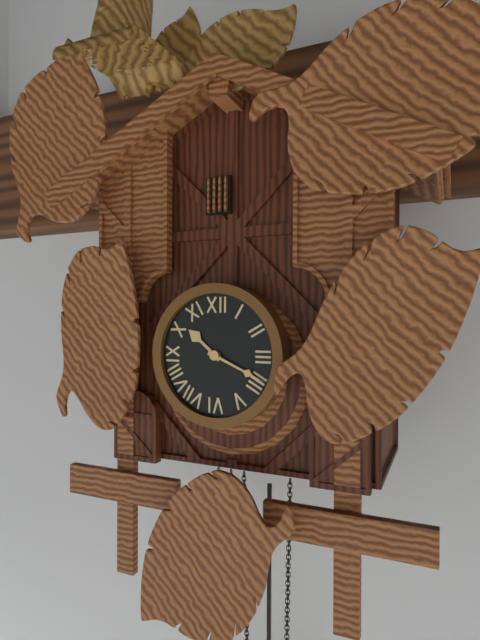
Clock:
h=10 m=19
